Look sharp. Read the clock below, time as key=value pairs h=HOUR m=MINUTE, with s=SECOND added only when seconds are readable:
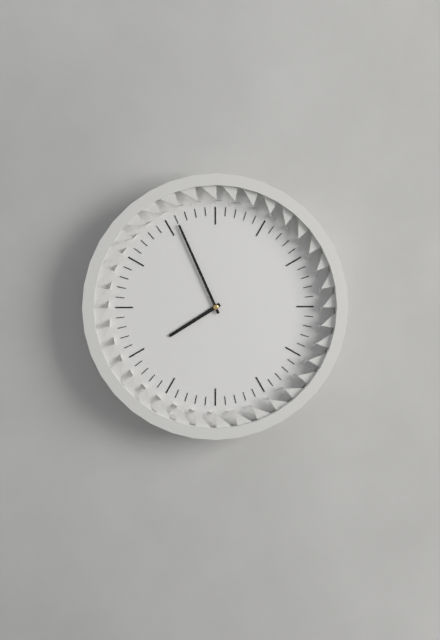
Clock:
h=7 m=56
